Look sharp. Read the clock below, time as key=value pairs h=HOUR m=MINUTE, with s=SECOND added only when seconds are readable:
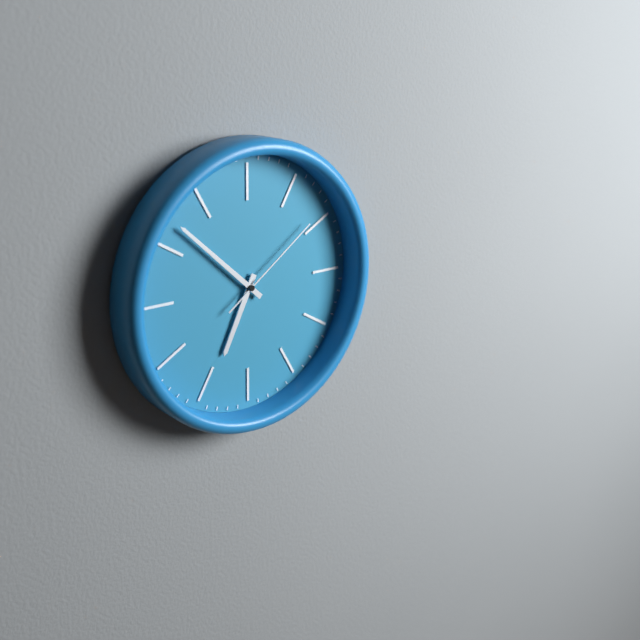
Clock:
h=6 m=52 s=9
